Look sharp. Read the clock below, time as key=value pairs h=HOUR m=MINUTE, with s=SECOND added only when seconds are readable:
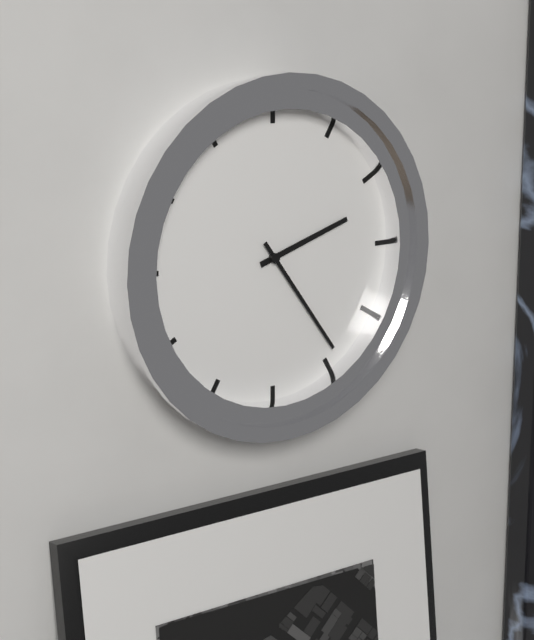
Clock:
h=2 m=24
